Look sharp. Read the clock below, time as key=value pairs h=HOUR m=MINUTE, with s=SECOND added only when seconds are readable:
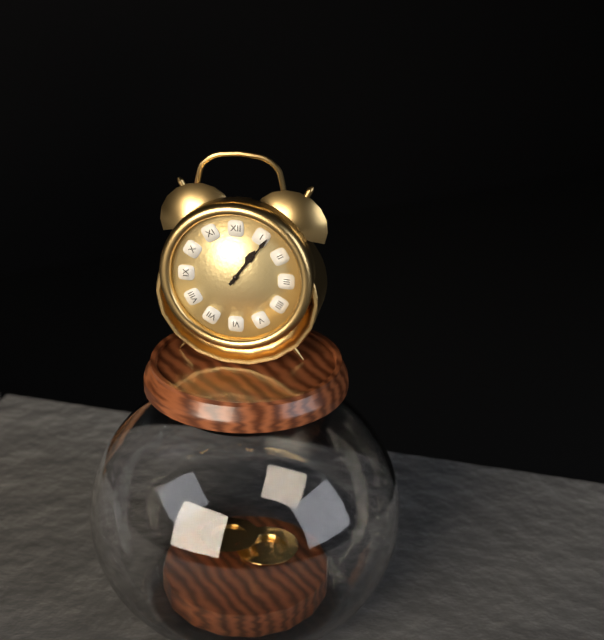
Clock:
h=1 m=6
